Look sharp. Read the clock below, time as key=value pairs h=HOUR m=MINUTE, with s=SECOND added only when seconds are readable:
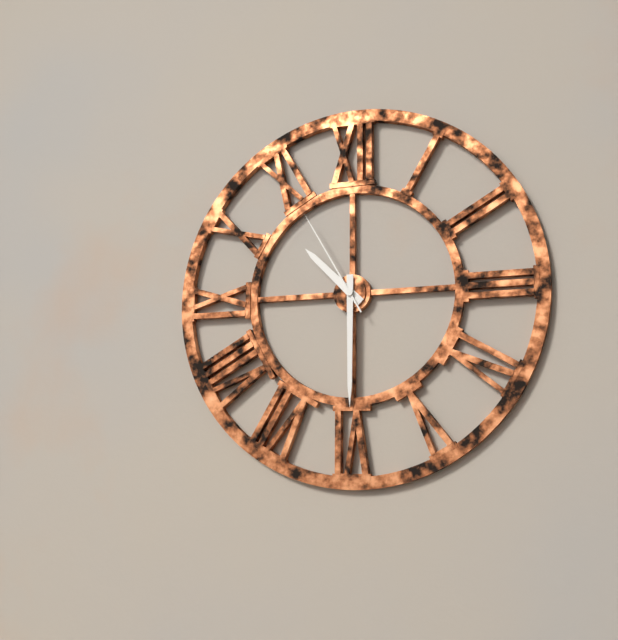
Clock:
h=10 m=30 s=55
